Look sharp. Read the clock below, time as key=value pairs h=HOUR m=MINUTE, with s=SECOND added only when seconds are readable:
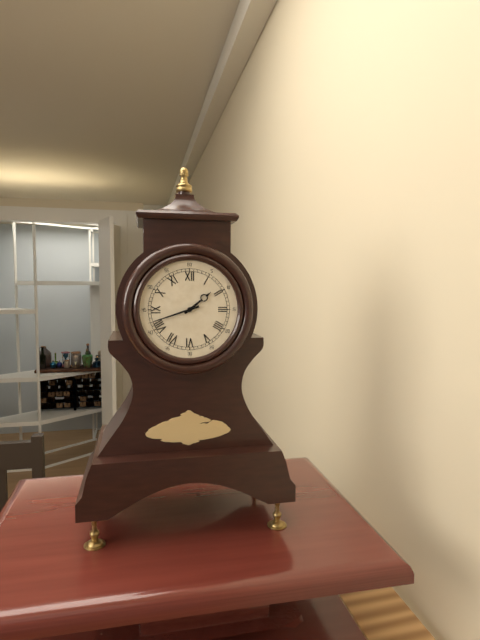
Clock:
h=1 m=42
